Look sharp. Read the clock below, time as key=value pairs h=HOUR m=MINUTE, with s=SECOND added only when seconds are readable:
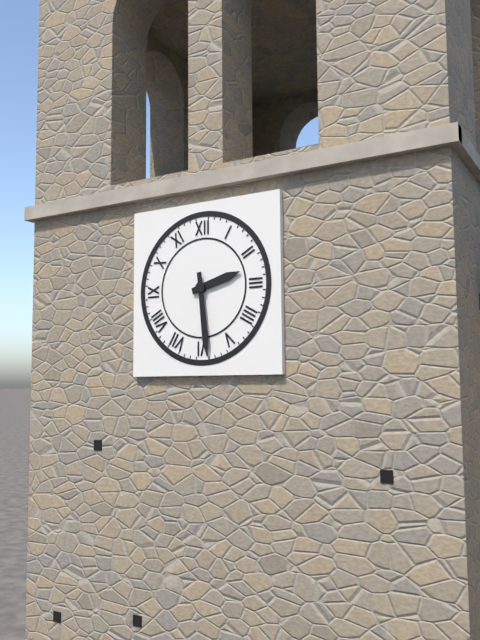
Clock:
h=2 m=29
